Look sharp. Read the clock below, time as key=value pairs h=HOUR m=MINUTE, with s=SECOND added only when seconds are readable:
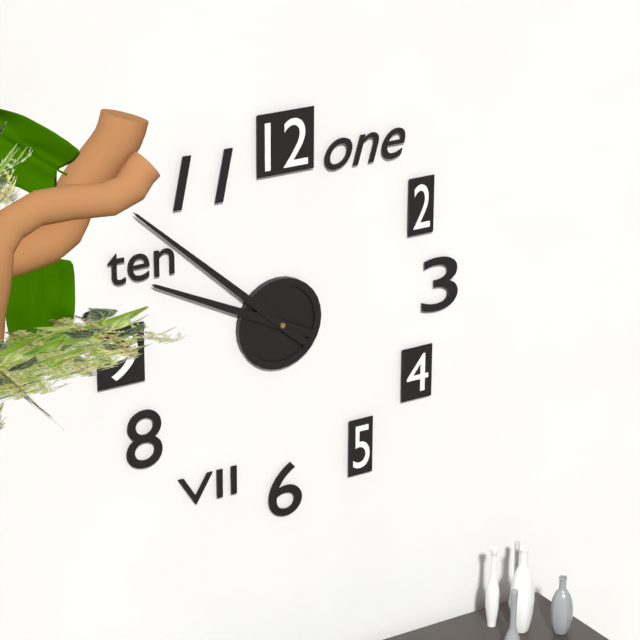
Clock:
h=9 m=52
